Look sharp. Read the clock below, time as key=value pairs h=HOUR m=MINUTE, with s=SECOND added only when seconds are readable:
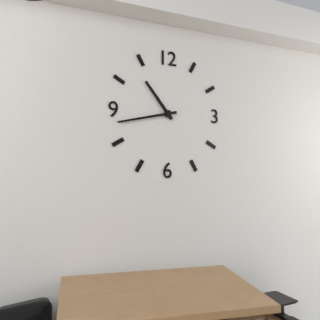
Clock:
h=10 m=43
